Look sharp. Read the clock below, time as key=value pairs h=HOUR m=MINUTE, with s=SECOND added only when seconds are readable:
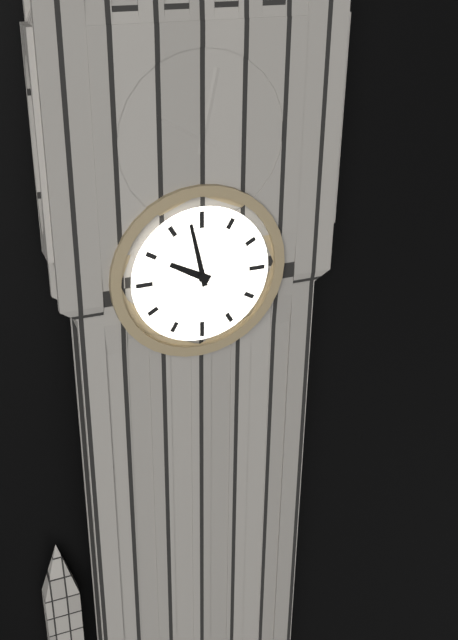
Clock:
h=9 m=58
